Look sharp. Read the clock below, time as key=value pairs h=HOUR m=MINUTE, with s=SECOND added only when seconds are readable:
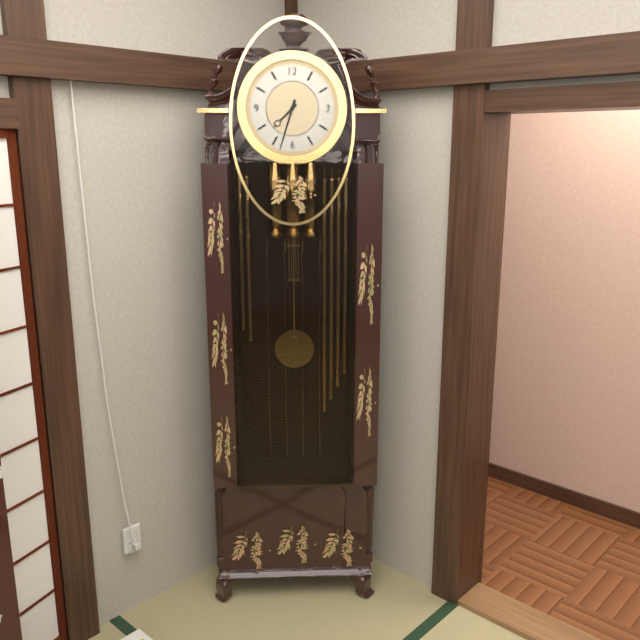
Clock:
h=7 m=33
